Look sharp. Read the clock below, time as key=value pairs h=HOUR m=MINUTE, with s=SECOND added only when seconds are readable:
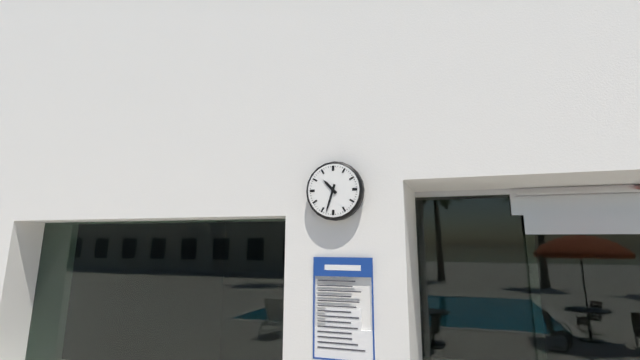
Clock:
h=10 m=33
